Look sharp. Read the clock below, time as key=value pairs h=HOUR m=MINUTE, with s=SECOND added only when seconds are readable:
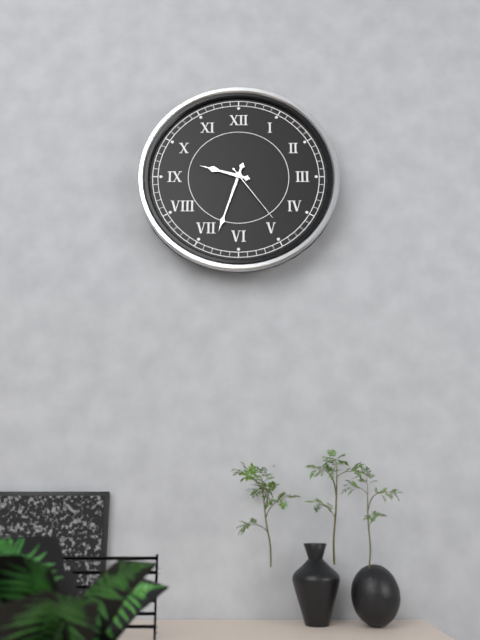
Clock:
h=9 m=33 s=24
